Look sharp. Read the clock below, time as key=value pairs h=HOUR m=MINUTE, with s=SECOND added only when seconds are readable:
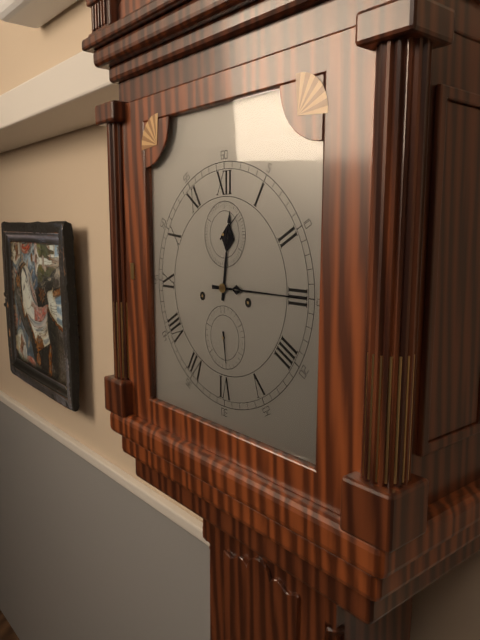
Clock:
h=12 m=15
